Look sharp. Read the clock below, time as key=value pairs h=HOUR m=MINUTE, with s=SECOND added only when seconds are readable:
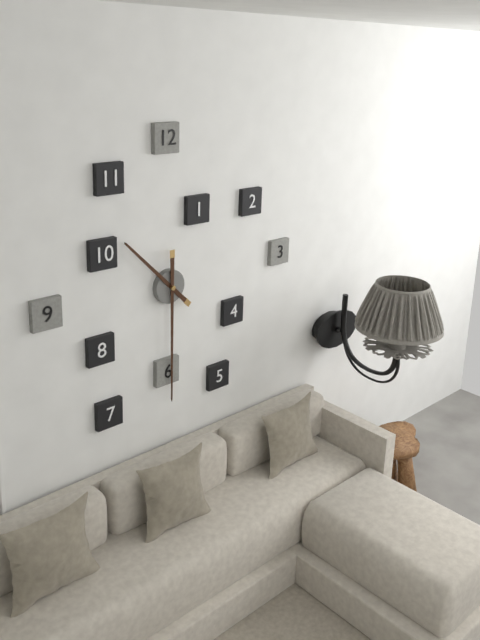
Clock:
h=10 m=30
